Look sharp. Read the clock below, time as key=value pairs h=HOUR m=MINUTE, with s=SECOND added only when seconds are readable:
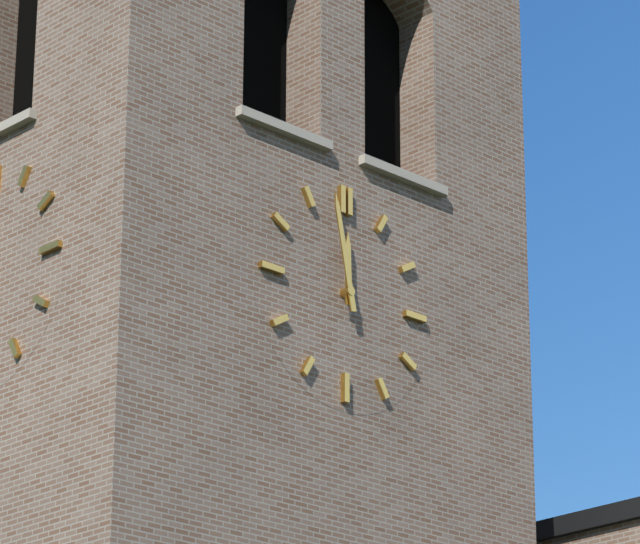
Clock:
h=11 m=58
